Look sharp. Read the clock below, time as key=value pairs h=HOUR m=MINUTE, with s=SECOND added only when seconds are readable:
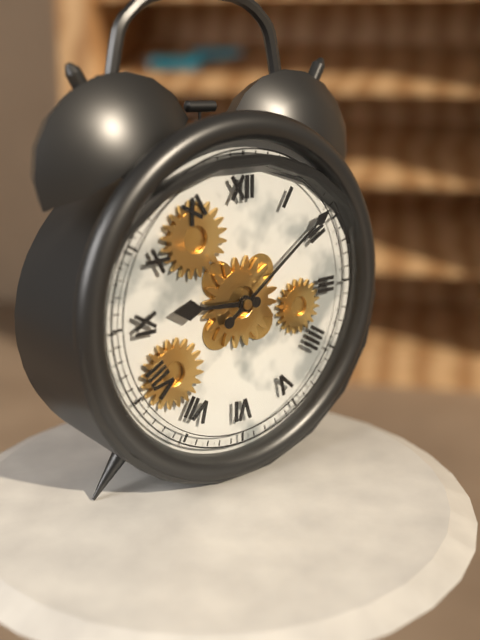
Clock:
h=9 m=9
